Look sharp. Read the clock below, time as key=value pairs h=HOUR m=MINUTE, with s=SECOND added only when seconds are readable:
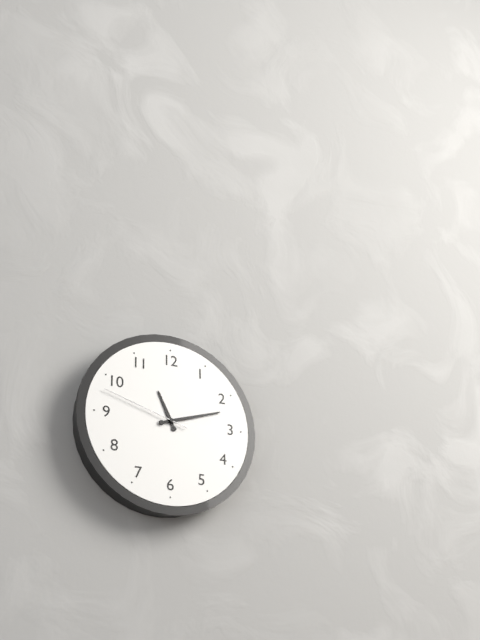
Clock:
h=11 m=12 s=48
